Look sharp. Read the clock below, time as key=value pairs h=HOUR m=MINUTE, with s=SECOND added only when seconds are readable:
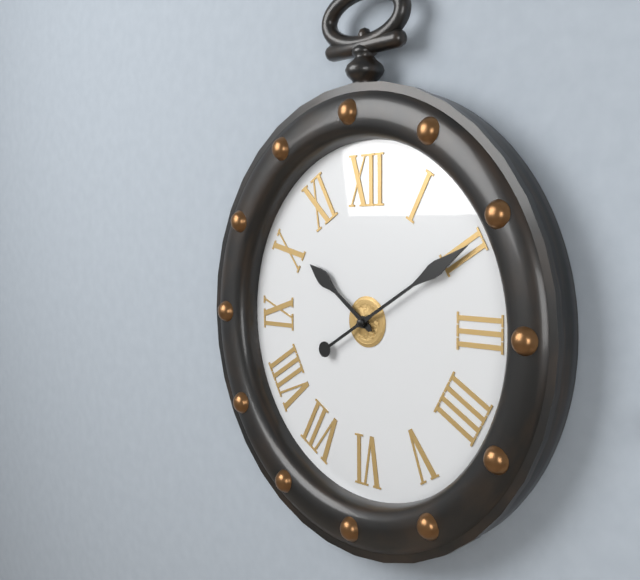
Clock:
h=10 m=10
